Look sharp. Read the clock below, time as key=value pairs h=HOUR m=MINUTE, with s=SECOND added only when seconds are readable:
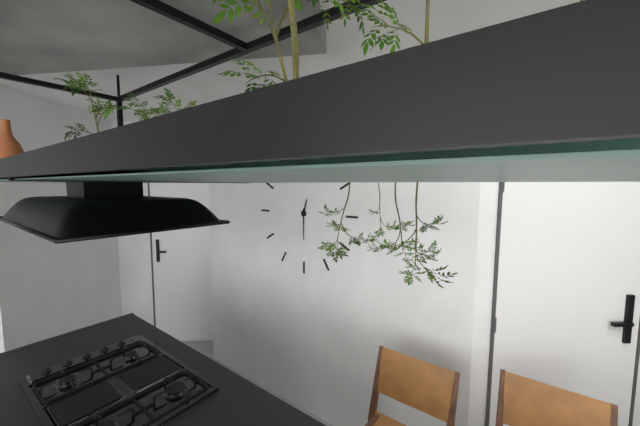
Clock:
h=12 m=30
